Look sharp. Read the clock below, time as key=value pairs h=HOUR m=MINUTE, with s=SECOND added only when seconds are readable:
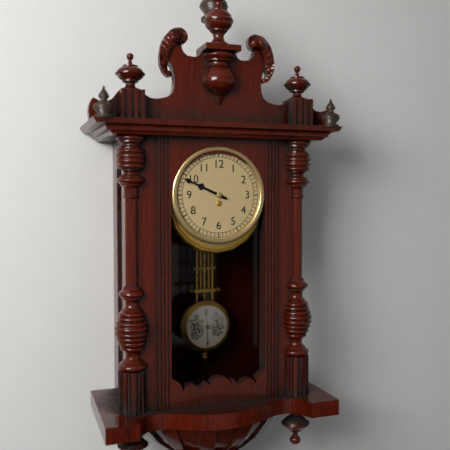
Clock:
h=9 m=49
